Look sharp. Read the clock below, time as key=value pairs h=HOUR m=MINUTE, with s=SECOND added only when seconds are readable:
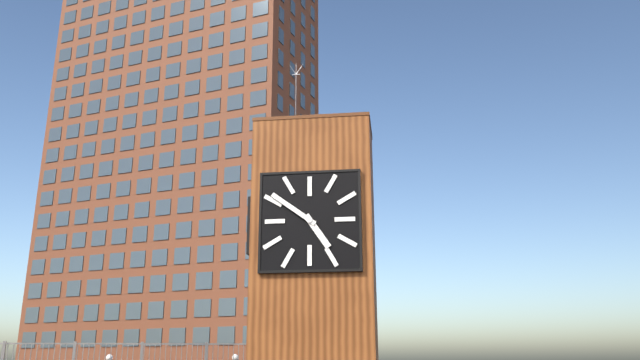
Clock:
h=4 m=51
